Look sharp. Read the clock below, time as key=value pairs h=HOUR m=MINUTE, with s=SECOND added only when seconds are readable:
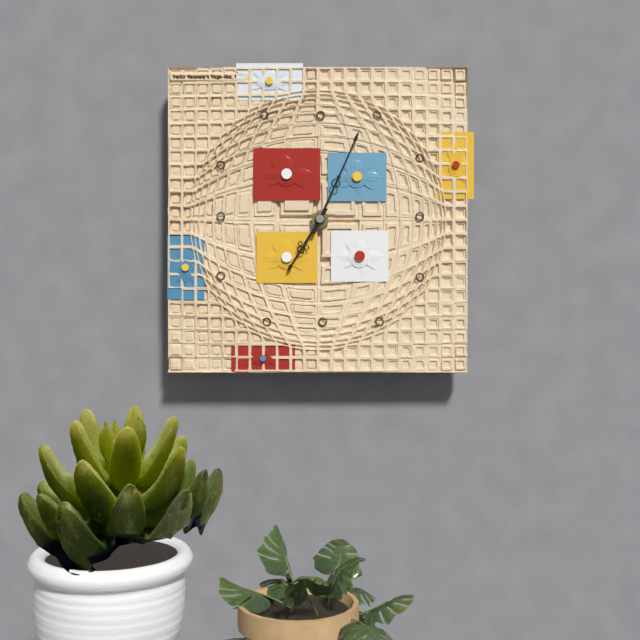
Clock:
h=7 m=4
